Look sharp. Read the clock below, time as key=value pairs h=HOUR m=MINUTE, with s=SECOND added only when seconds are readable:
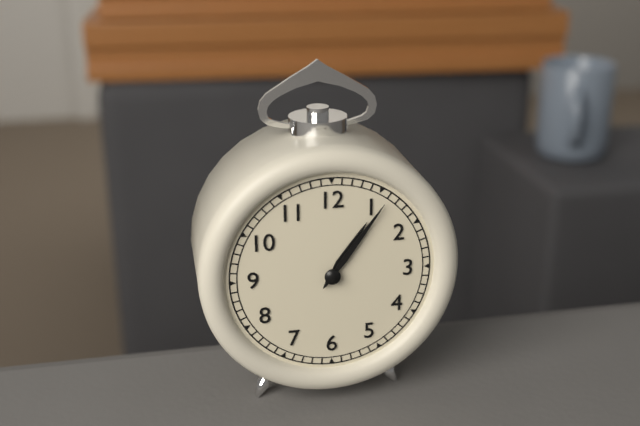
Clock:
h=1 m=6
